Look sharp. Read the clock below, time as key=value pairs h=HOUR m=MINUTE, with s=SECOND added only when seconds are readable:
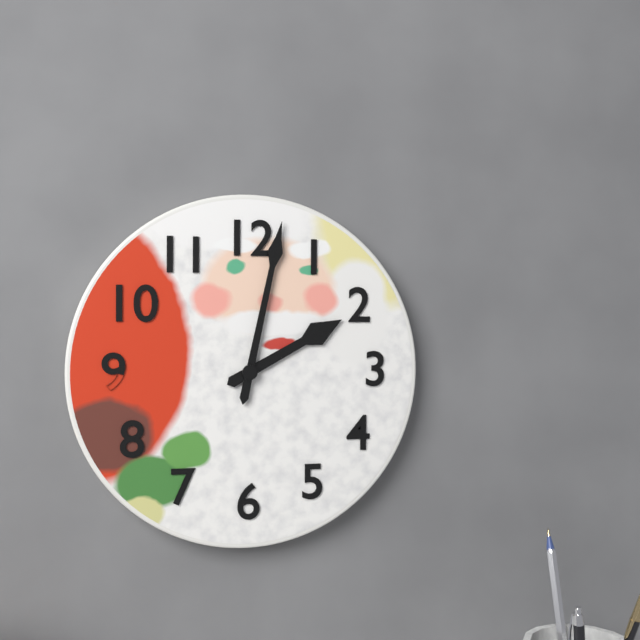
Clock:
h=2 m=2
